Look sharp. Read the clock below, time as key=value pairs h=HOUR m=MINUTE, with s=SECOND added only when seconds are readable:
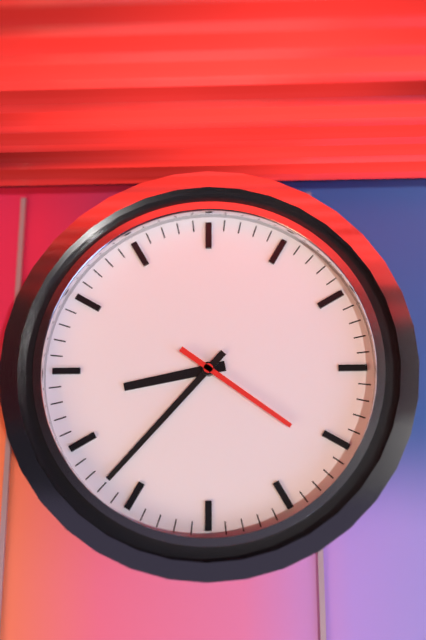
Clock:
h=8 m=37 s=21
